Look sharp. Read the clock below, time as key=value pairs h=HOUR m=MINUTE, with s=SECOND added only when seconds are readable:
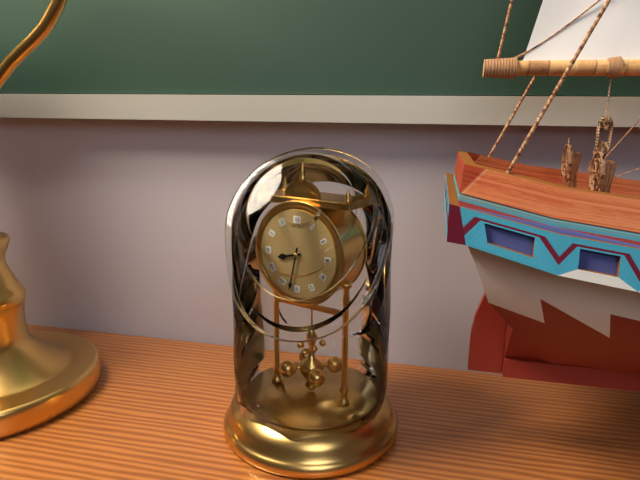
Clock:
h=8 m=32
